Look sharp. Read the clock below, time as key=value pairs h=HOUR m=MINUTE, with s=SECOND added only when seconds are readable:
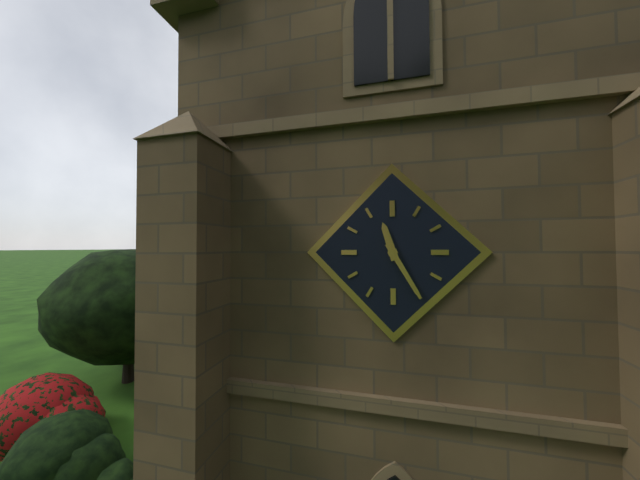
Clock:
h=11 m=25
